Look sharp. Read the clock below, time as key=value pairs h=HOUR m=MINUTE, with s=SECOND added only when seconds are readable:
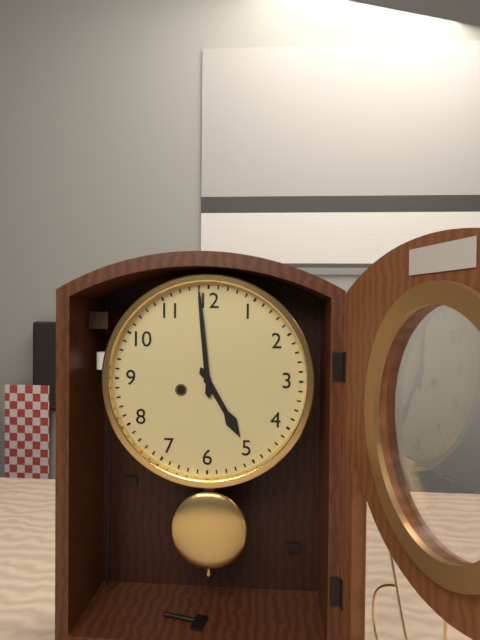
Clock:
h=4 m=59
